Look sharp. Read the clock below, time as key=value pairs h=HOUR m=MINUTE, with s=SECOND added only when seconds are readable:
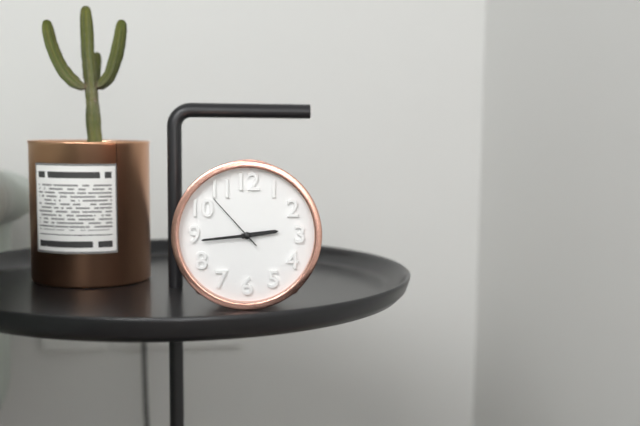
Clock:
h=2 m=44 s=53
